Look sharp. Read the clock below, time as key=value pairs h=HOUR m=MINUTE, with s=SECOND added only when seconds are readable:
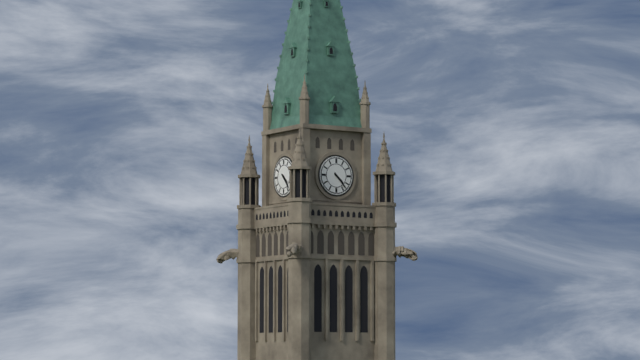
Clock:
h=4 m=23
